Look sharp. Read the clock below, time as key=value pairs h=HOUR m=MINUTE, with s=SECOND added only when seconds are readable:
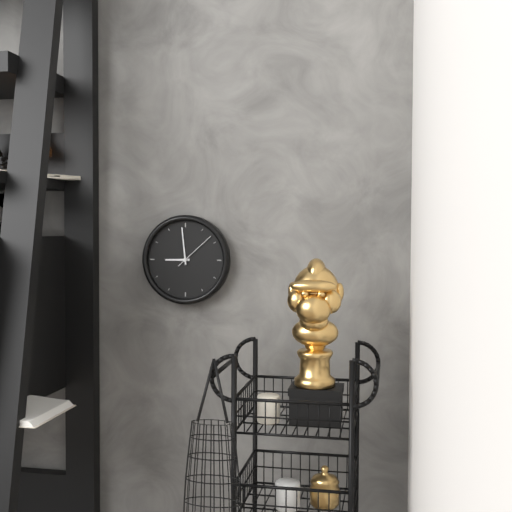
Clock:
h=8 m=59
